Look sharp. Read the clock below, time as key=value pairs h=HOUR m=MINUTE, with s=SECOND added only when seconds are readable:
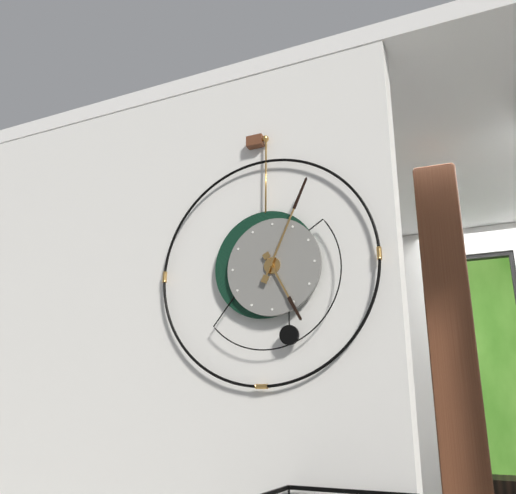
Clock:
h=5 m=4
